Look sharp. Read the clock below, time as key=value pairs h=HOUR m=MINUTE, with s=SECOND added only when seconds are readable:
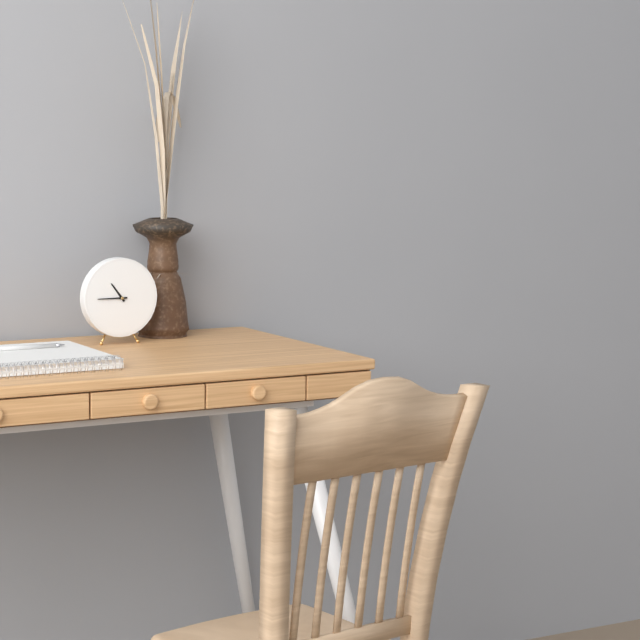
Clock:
h=10 m=45
